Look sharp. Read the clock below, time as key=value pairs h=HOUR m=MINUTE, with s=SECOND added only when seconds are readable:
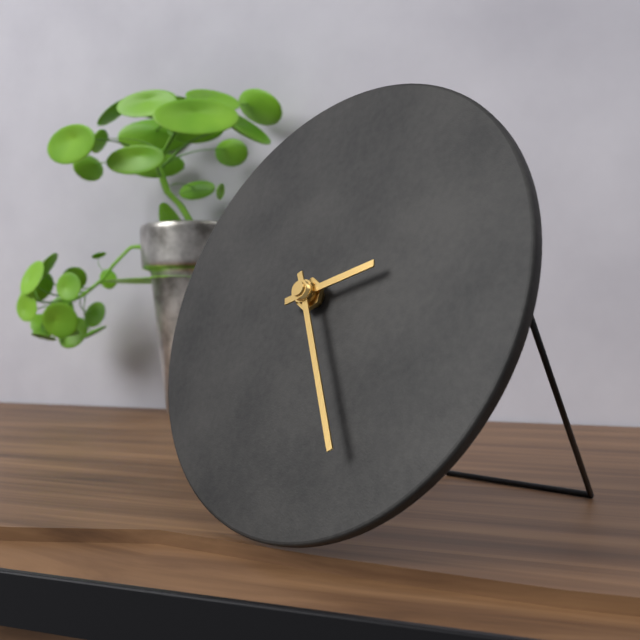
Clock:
h=2 m=25
